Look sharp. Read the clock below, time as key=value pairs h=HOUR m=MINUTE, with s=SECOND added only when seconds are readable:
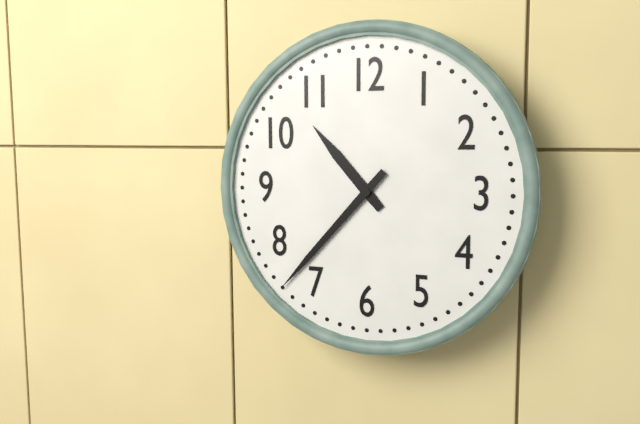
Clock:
h=10 m=37
